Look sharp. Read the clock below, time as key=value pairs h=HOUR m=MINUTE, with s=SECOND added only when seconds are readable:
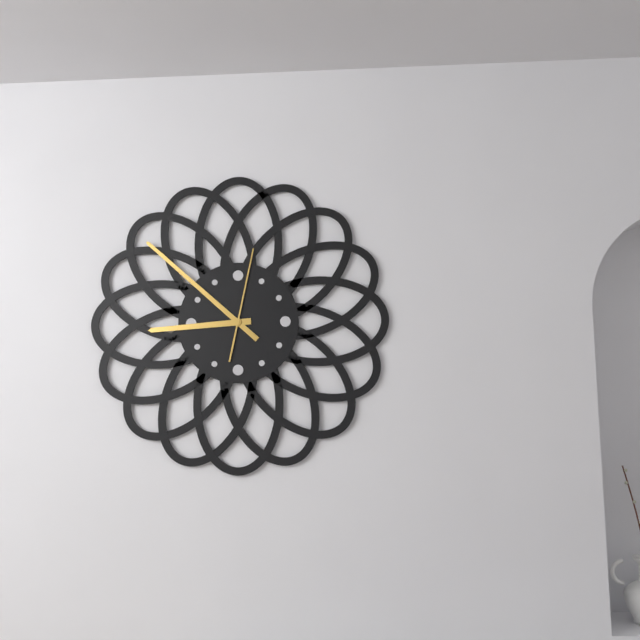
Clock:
h=8 m=52 s=2
